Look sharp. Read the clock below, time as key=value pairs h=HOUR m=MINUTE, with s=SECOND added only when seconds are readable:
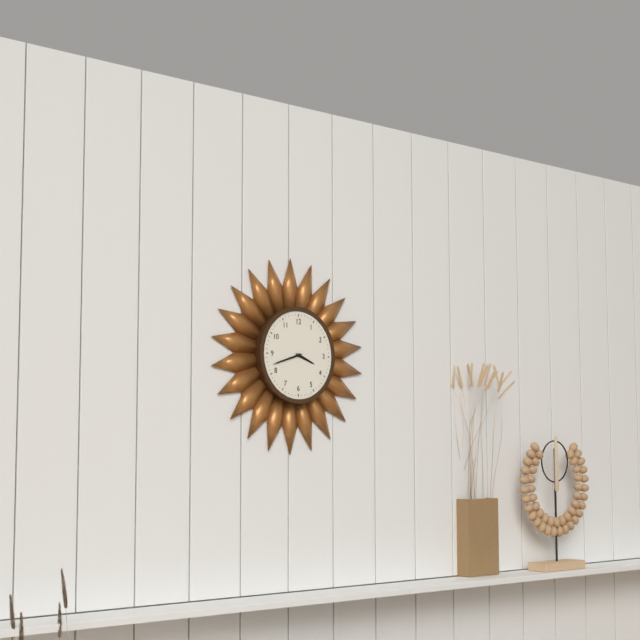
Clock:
h=3 m=42
